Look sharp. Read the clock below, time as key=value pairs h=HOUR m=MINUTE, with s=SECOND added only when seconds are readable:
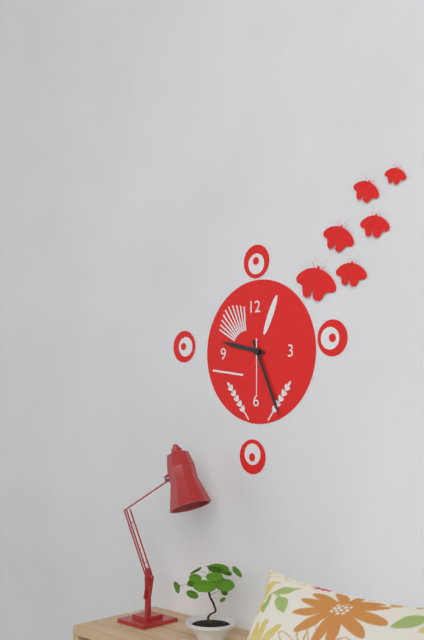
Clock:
h=9 m=26 s=30
